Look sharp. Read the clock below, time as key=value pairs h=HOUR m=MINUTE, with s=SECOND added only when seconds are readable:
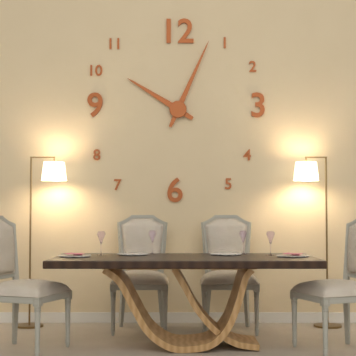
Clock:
h=10 m=4
